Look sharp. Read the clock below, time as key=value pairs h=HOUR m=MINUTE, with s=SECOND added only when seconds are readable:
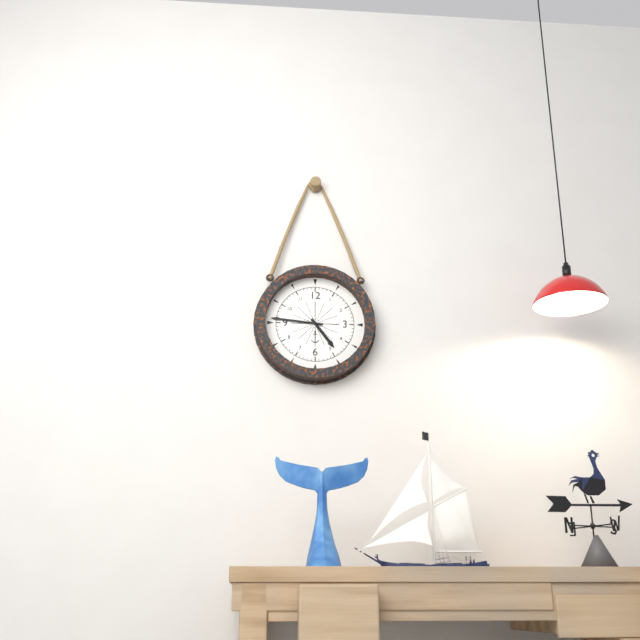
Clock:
h=4 m=46
